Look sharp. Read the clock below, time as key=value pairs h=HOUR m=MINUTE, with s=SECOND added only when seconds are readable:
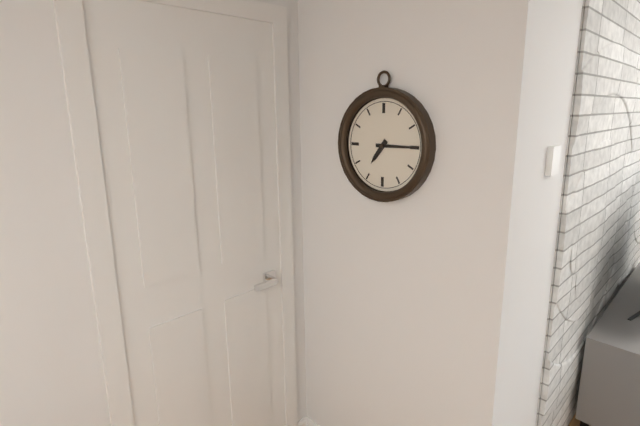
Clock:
h=7 m=15
